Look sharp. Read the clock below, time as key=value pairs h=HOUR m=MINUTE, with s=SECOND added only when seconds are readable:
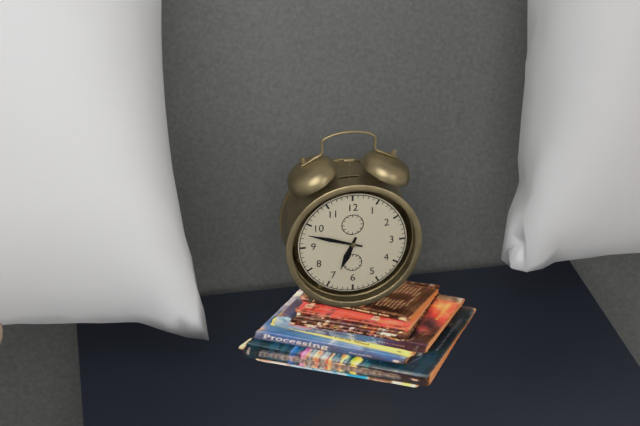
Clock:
h=6 m=48
